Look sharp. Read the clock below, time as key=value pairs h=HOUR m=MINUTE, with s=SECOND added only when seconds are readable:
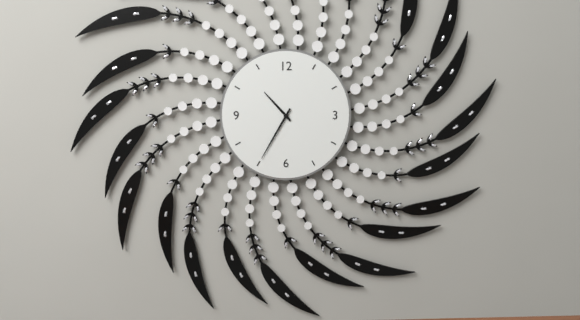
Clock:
h=10 m=35
